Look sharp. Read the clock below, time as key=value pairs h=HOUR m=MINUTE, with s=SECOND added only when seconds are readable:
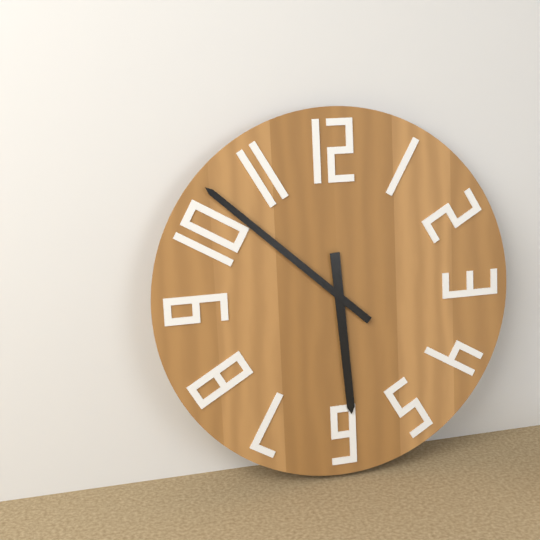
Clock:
h=5 m=52
